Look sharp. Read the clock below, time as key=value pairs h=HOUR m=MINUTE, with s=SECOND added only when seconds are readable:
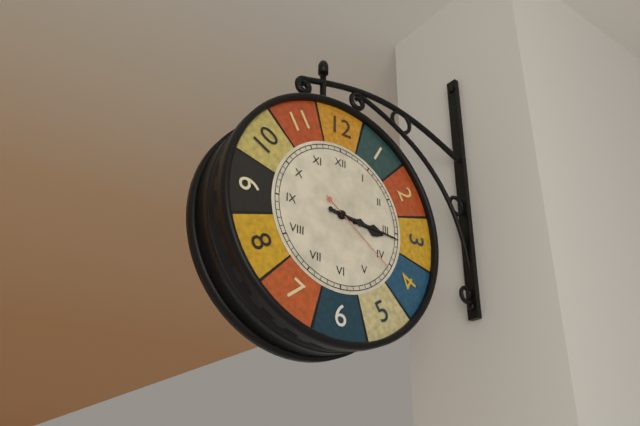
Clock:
h=3 m=16 s=21
